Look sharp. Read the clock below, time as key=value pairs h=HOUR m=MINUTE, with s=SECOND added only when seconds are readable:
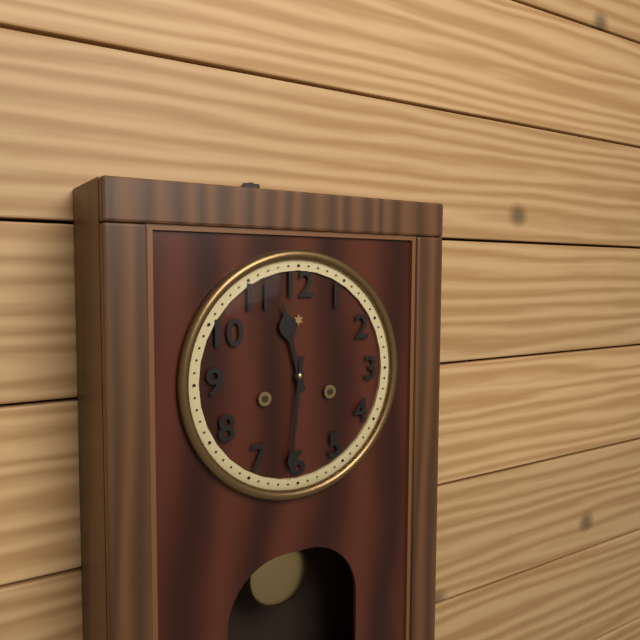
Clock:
h=11 m=31
